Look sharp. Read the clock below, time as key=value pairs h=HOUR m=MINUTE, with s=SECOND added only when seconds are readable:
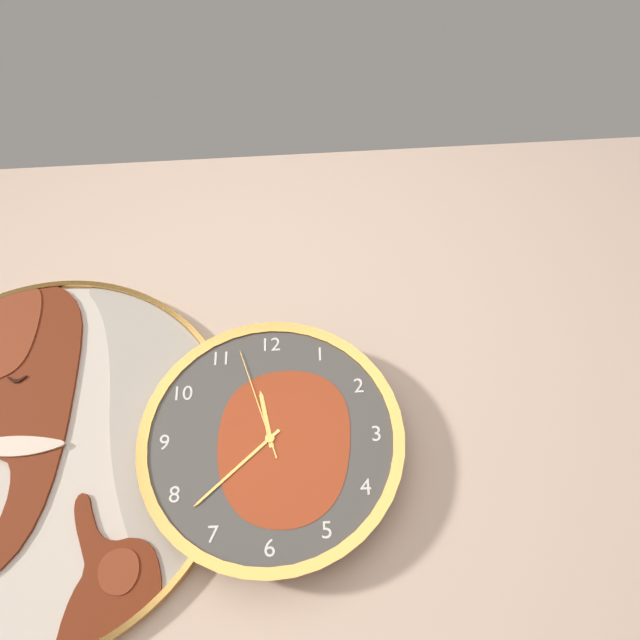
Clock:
h=11 m=38 s=57
